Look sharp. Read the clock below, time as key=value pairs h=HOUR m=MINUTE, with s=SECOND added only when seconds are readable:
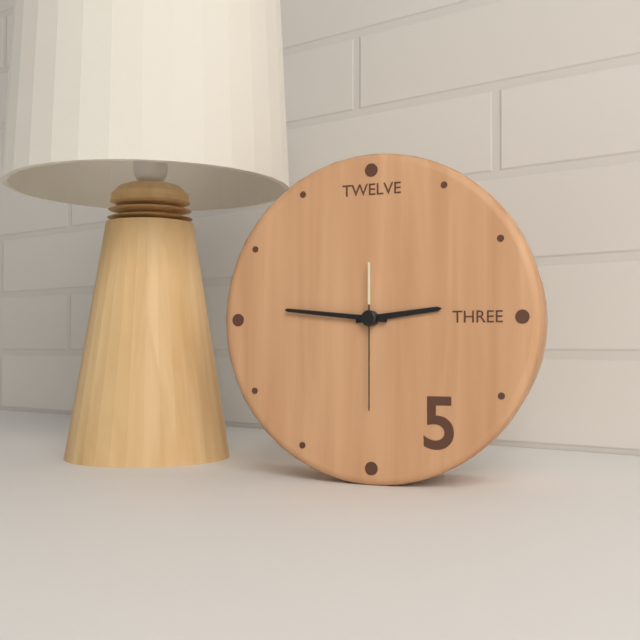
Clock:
h=2 m=46 s=30
